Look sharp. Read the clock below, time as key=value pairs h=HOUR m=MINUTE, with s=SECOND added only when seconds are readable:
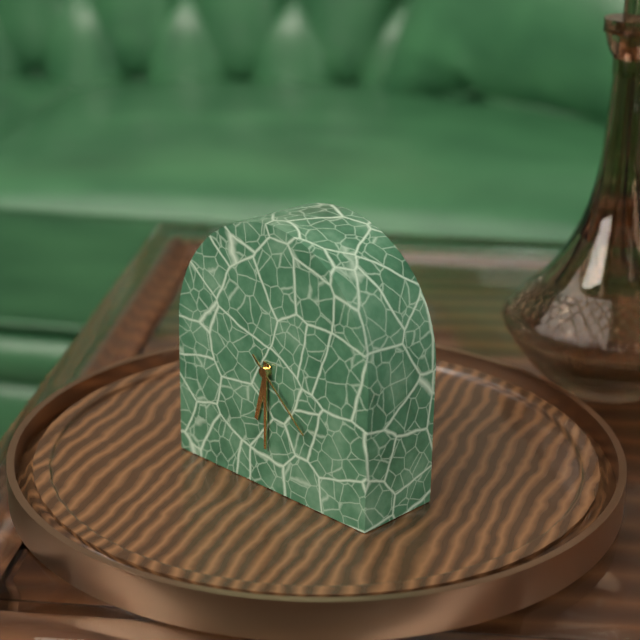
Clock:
h=6 m=30 s=22
